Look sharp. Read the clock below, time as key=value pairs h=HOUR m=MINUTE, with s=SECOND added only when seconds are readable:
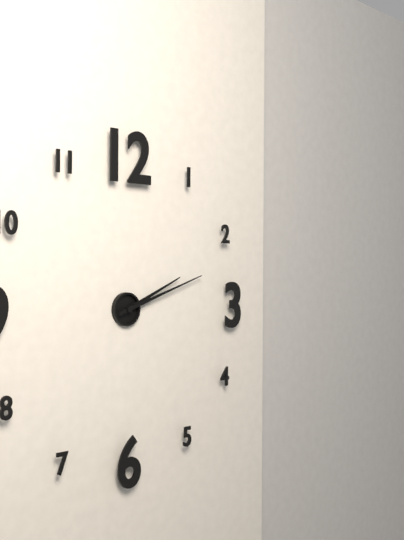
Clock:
h=2 m=12
